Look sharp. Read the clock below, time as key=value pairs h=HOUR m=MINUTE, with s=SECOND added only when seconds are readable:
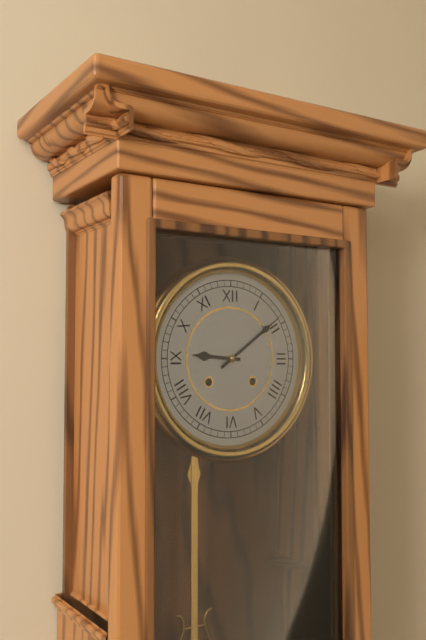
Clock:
h=9 m=9
